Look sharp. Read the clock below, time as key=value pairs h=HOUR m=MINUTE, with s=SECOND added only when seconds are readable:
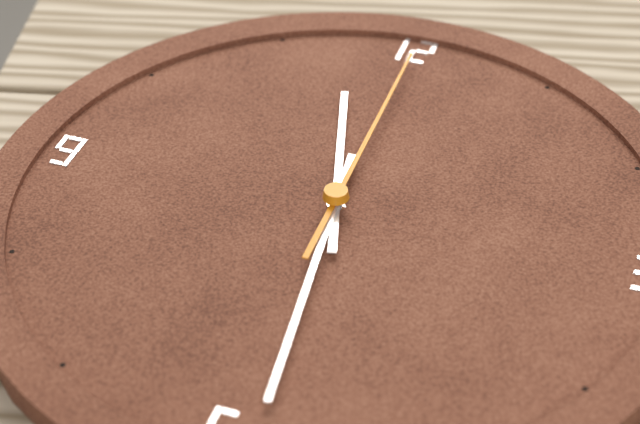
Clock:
h=11 m=29 s=0
